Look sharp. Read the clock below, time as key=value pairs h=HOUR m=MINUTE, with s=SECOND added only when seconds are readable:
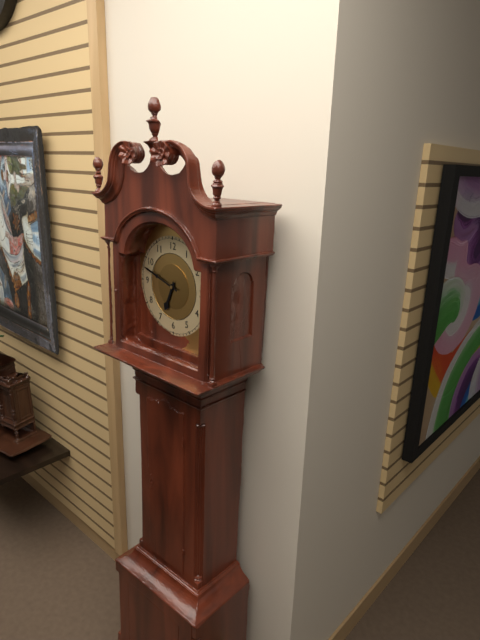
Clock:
h=6 m=48
